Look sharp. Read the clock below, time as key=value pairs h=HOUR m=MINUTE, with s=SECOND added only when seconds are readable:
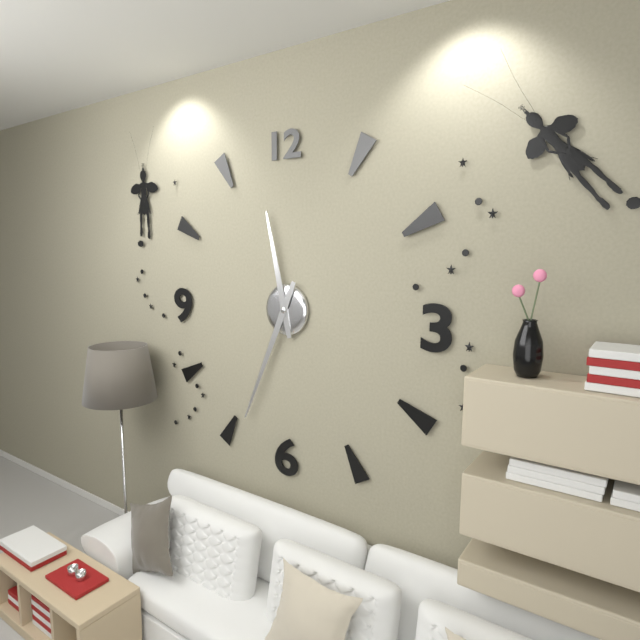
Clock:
h=11 m=34
